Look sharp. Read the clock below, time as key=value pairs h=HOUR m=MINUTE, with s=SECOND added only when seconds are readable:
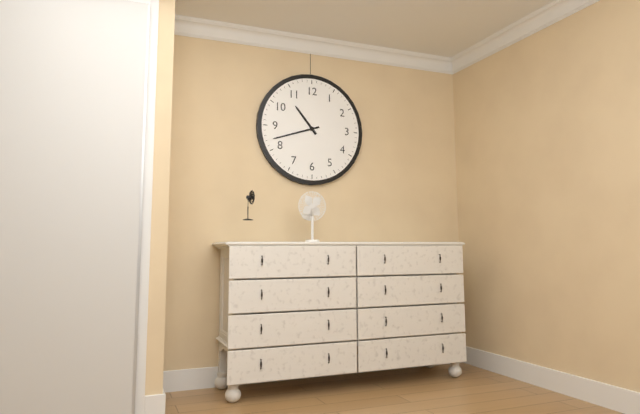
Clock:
h=10 m=42
